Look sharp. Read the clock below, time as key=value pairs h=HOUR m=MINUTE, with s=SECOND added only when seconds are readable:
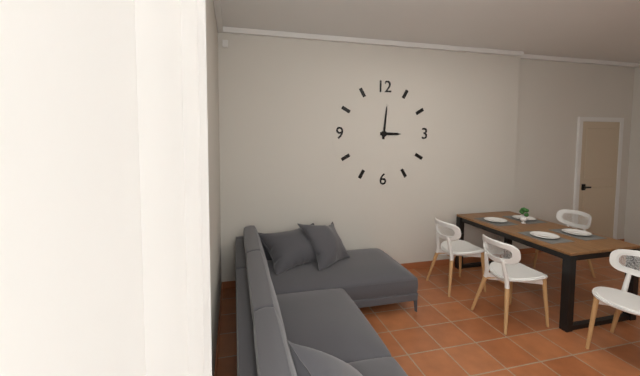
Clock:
h=3 m=1
